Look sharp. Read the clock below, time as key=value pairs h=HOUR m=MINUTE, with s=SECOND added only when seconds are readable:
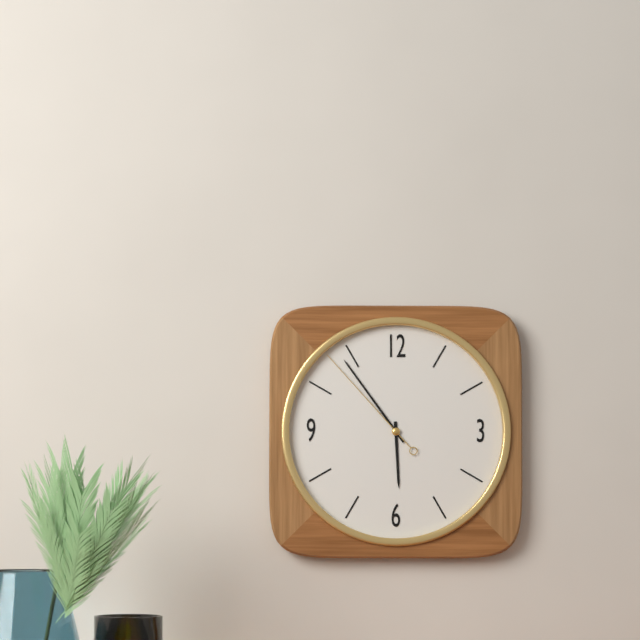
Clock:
h=5 m=54 s=53
